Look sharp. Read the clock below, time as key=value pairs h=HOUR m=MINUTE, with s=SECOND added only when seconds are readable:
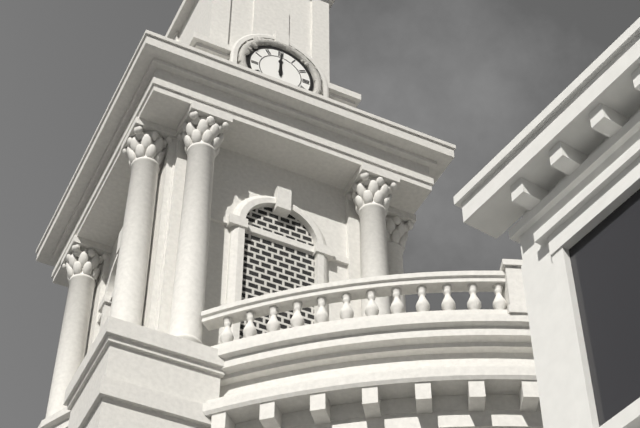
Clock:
h=12 m=0
